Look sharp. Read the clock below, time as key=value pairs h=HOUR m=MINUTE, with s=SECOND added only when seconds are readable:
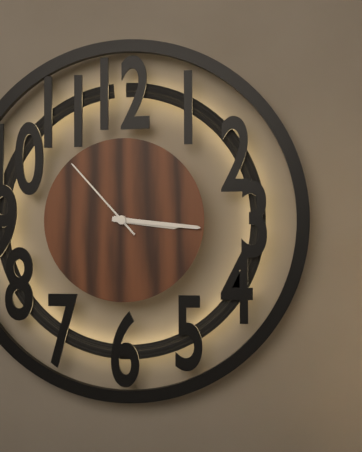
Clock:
h=3 m=16 s=53
